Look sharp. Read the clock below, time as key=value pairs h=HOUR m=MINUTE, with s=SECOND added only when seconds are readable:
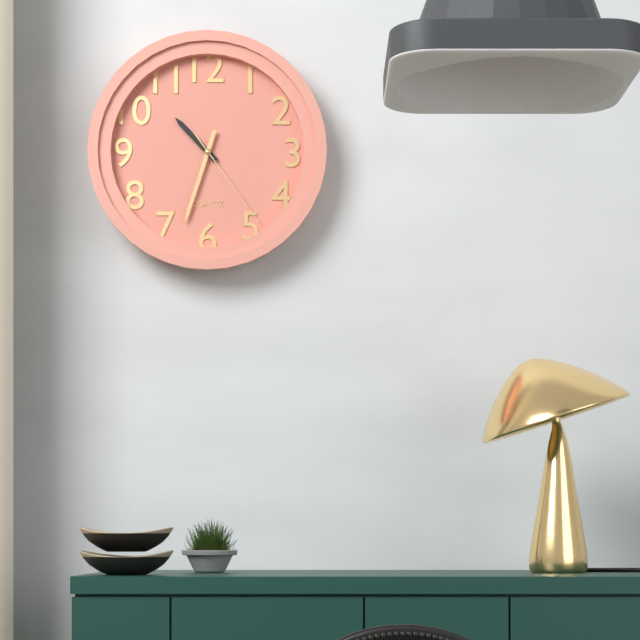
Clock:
h=10 m=33 s=24
